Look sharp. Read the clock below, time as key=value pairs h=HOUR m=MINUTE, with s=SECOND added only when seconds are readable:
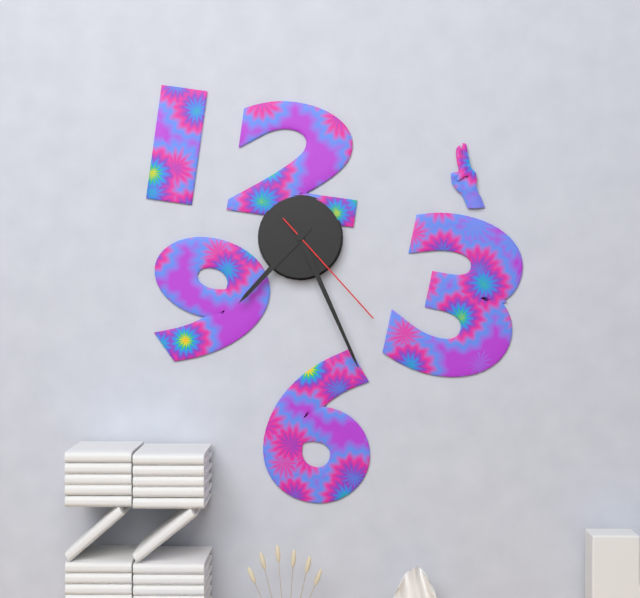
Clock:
h=7 m=26 s=23
